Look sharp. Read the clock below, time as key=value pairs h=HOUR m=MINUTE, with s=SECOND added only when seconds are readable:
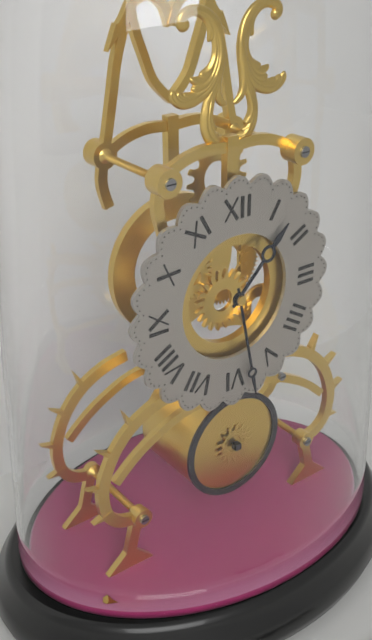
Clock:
h=1 m=28
